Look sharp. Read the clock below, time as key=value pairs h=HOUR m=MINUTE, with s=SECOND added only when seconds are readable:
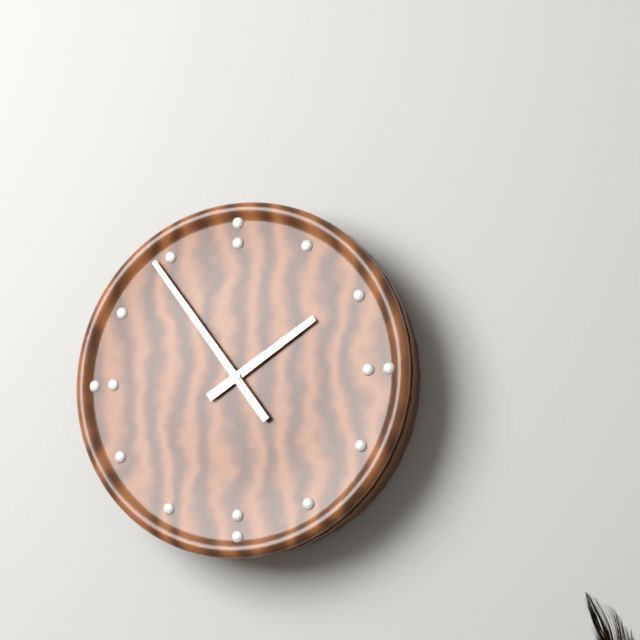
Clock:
h=1 m=54
